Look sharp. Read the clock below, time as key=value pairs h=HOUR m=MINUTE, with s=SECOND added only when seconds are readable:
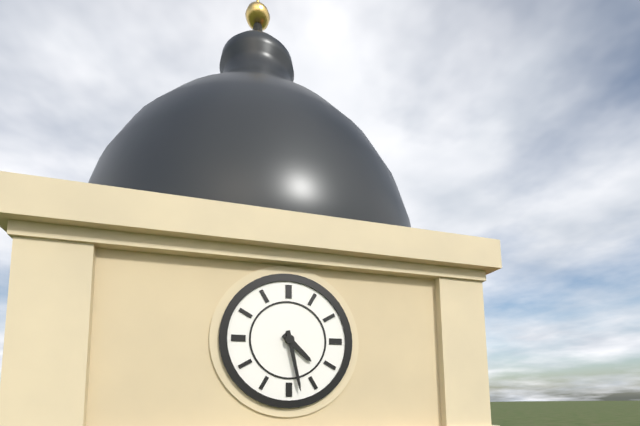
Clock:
h=4 m=28
